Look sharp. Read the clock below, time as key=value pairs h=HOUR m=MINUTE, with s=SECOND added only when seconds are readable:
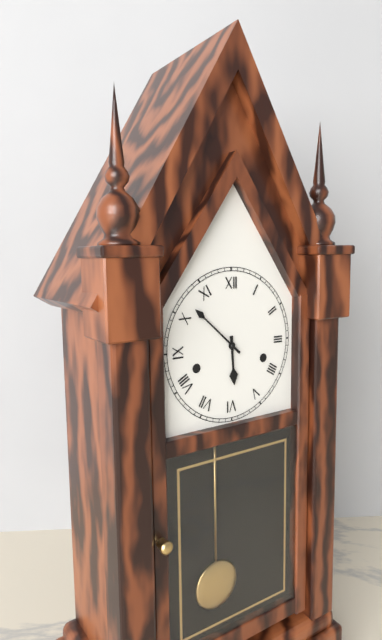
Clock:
h=5 m=52
